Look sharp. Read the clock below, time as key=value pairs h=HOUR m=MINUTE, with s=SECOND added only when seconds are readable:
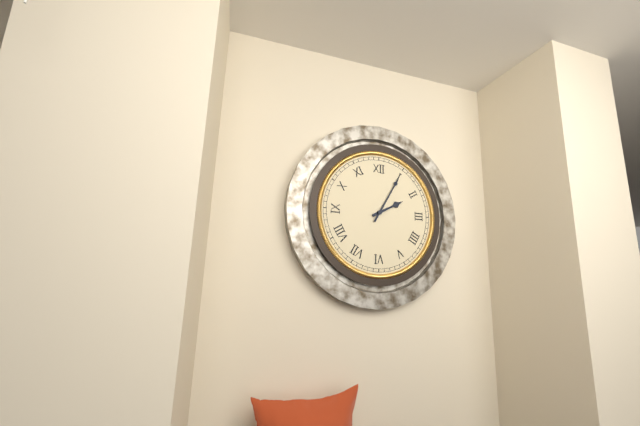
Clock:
h=2 m=5
